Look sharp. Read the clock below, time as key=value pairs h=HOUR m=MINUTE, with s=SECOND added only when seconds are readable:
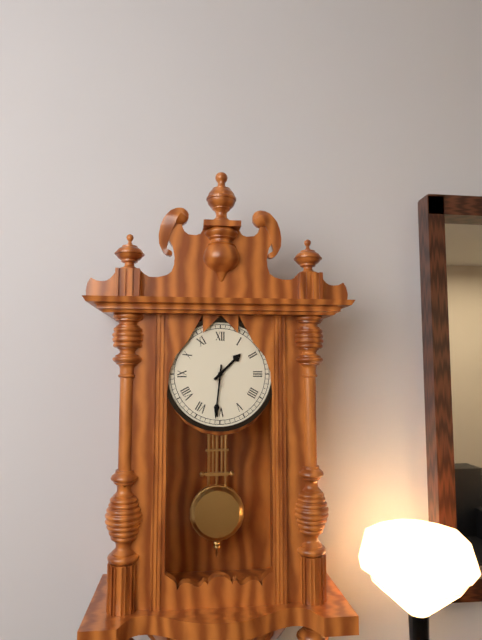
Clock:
h=1 m=31
